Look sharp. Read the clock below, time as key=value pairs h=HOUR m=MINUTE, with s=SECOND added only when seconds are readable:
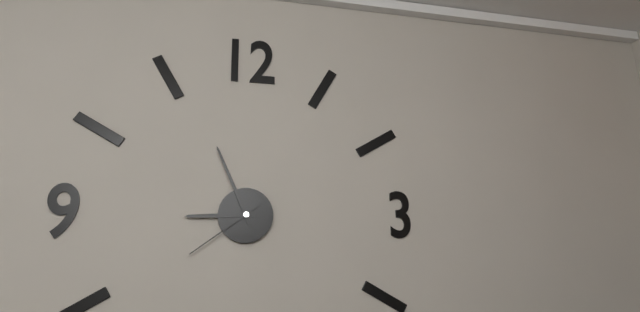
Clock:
h=8 m=56 s=39
